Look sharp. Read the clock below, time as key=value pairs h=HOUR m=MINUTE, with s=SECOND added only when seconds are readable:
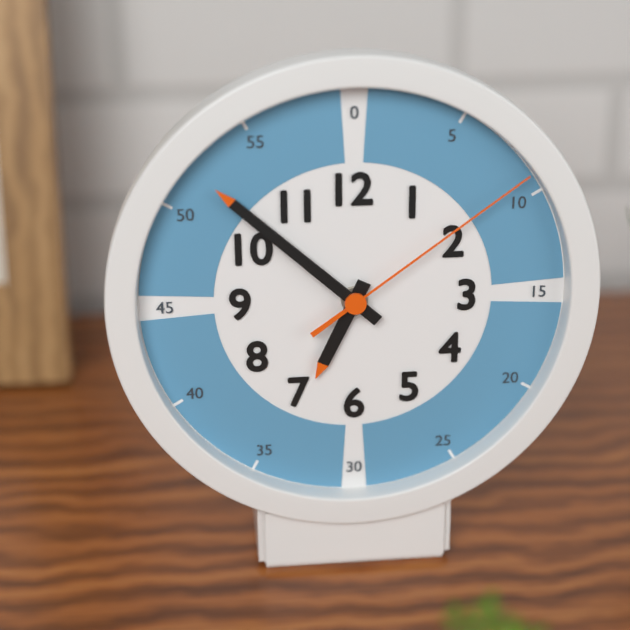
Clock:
h=6 m=52 s=9
